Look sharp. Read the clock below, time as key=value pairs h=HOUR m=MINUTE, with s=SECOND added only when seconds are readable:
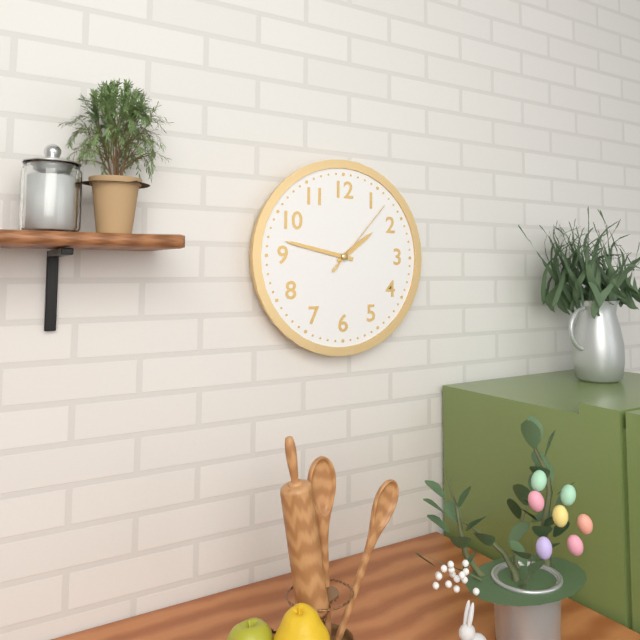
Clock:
h=1 m=47 s=7
